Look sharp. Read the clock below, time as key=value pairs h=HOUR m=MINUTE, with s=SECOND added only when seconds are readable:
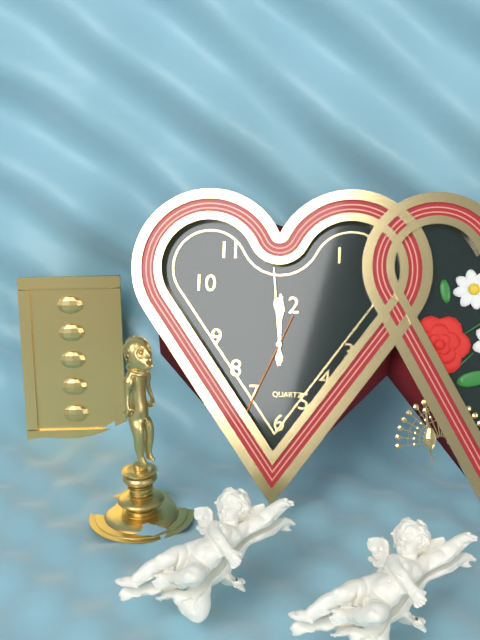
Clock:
h=11 m=59 s=34
